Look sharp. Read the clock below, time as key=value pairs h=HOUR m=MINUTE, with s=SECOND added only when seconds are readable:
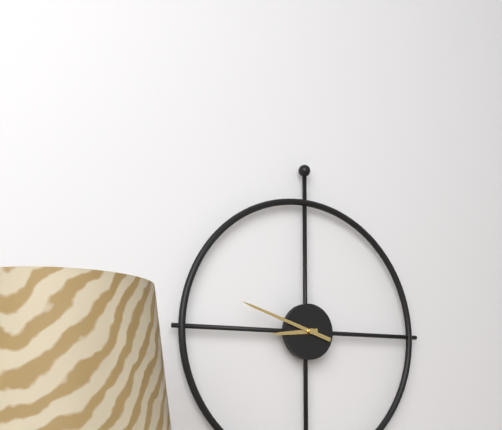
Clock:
h=8 m=48
